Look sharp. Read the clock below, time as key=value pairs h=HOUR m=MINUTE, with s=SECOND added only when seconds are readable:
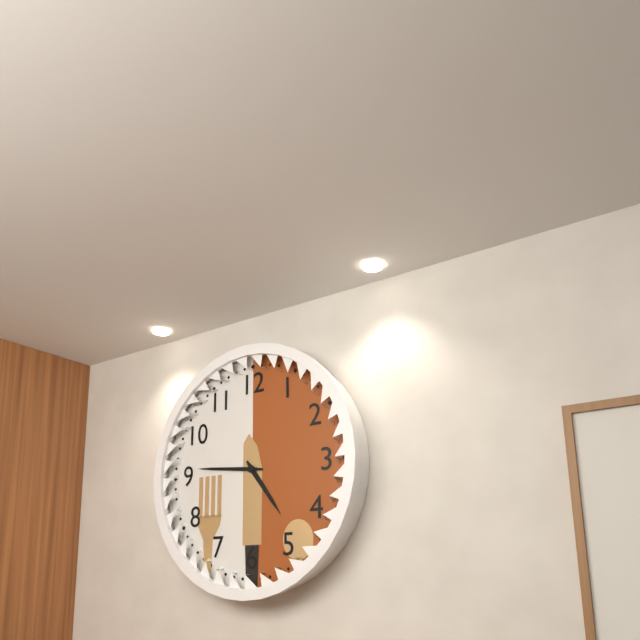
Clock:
h=4 m=46
